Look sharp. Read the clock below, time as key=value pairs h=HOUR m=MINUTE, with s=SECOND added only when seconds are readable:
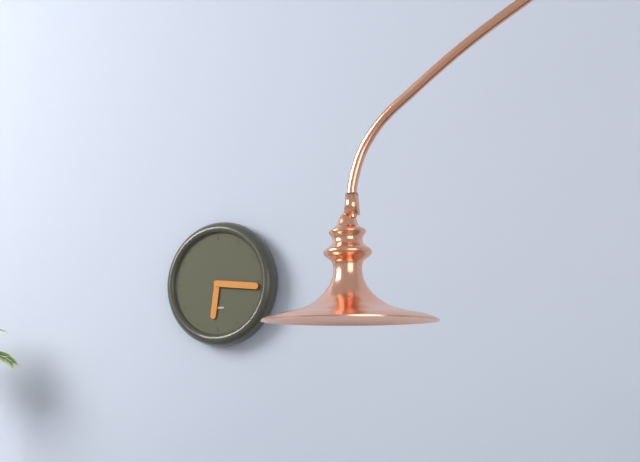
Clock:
h=6 m=16
